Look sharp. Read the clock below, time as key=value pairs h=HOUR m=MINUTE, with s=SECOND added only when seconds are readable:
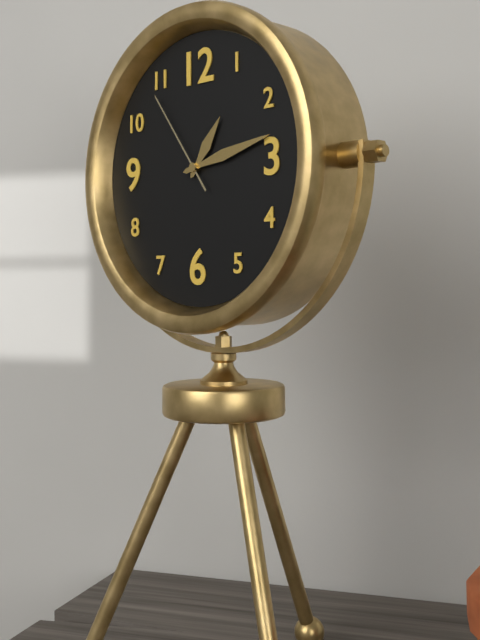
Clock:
h=1 m=13 s=54
